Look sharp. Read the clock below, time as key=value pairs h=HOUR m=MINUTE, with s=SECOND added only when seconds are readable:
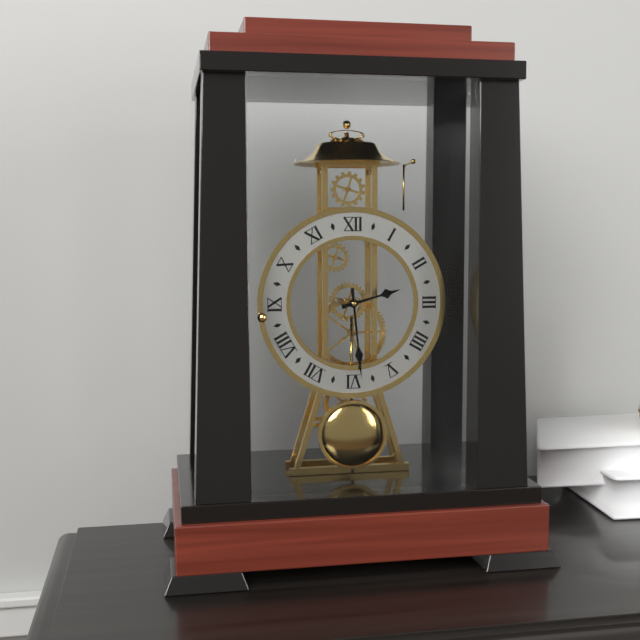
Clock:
h=2 m=29
